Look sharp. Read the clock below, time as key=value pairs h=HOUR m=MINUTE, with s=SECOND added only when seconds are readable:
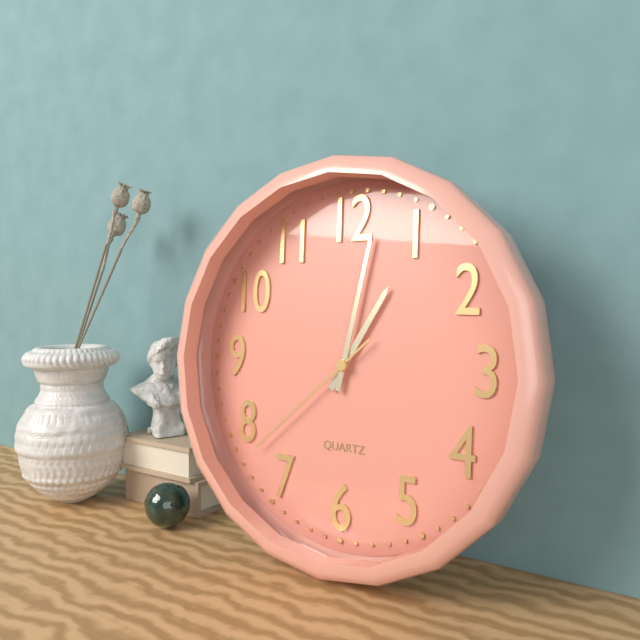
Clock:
h=1 m=2 s=38
